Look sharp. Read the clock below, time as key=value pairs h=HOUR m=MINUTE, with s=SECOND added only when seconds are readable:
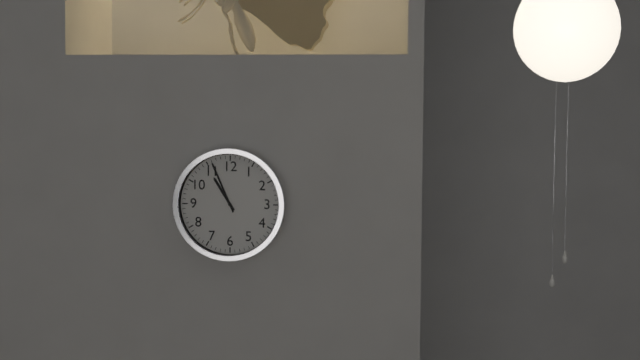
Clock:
h=10 m=56
